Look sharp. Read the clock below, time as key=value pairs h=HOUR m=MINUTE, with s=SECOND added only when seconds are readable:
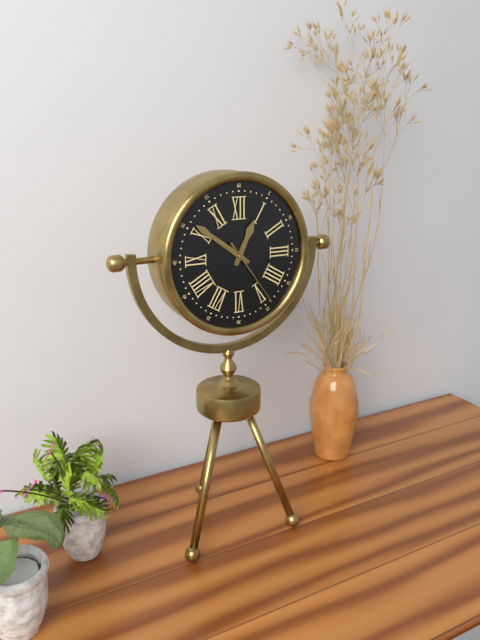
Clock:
h=12 m=51 s=24
